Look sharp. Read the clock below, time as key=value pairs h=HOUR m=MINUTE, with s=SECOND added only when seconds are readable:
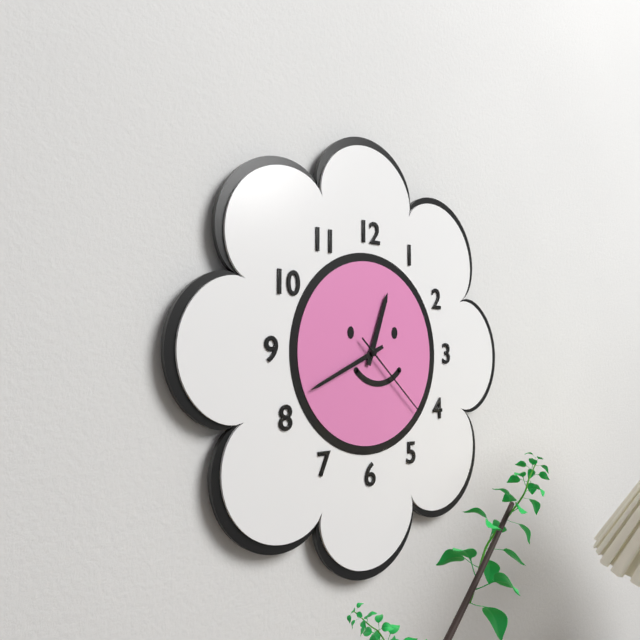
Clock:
h=12 m=41 s=22
